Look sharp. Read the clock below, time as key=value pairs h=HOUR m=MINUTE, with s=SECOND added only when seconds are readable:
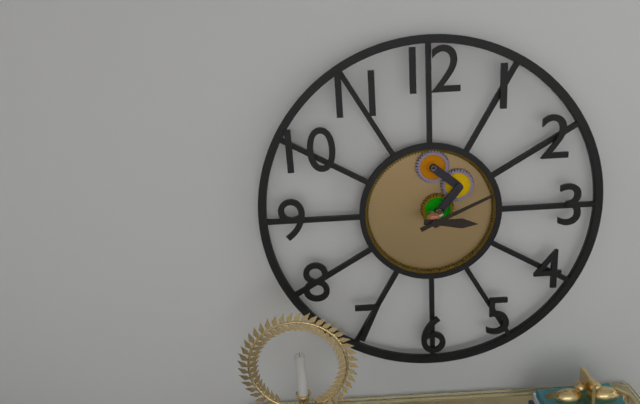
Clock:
h=3 m=11
